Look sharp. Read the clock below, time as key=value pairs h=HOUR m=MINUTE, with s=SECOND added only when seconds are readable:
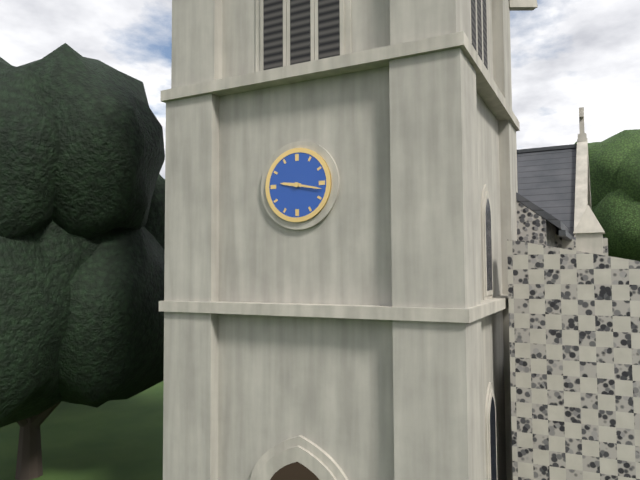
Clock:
h=9 m=17
